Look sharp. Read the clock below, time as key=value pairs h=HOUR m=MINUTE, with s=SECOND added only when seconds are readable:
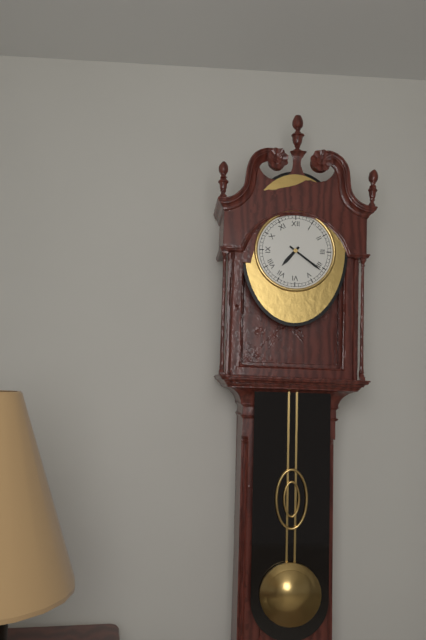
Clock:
h=7 m=21
